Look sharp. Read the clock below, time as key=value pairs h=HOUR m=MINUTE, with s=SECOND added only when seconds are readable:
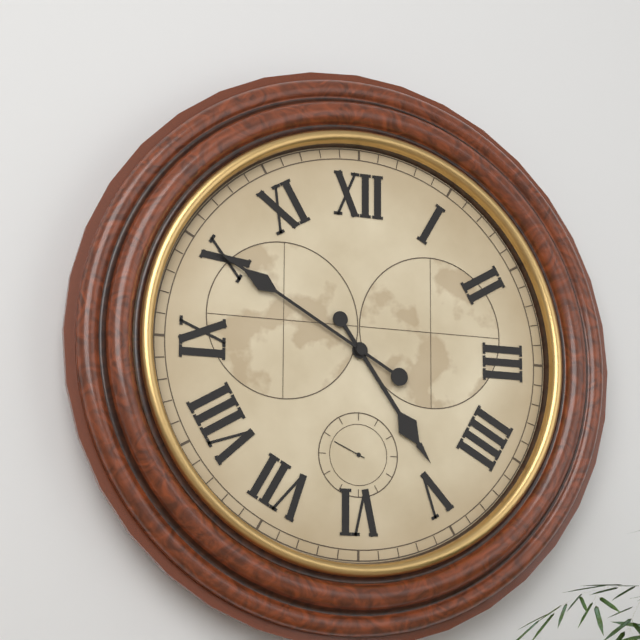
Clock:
h=4 m=50
